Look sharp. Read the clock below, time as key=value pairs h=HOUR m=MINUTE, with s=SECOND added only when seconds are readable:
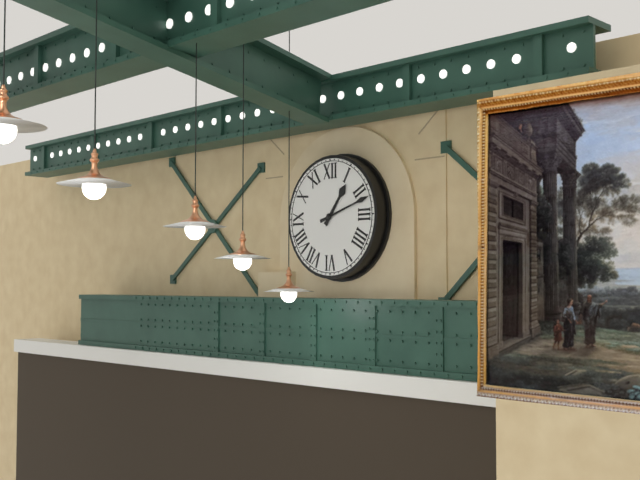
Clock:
h=1 m=12
